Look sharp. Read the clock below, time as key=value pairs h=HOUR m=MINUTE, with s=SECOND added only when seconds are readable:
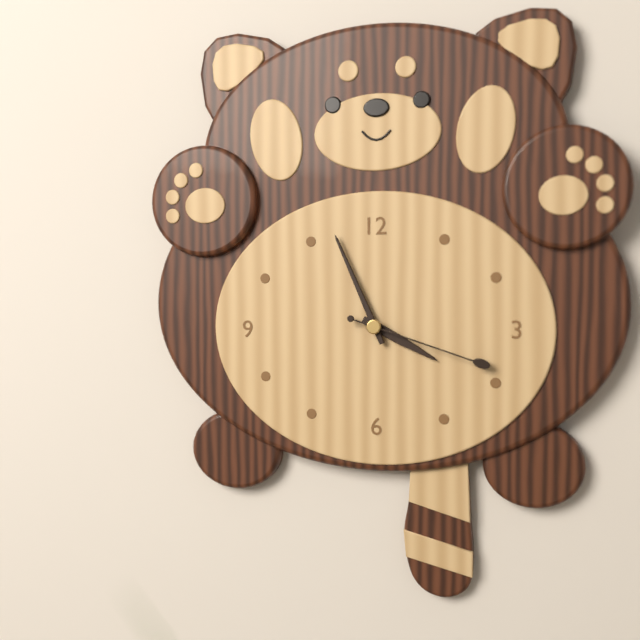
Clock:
h=3 m=56 s=18
